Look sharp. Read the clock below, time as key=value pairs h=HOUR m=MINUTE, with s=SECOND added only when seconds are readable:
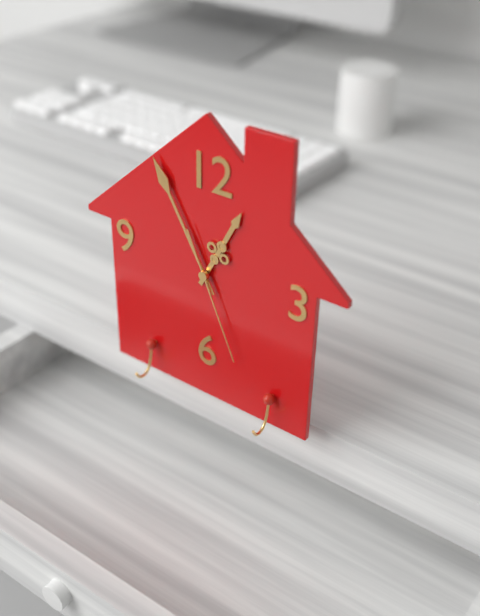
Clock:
h=12 m=55 s=26
